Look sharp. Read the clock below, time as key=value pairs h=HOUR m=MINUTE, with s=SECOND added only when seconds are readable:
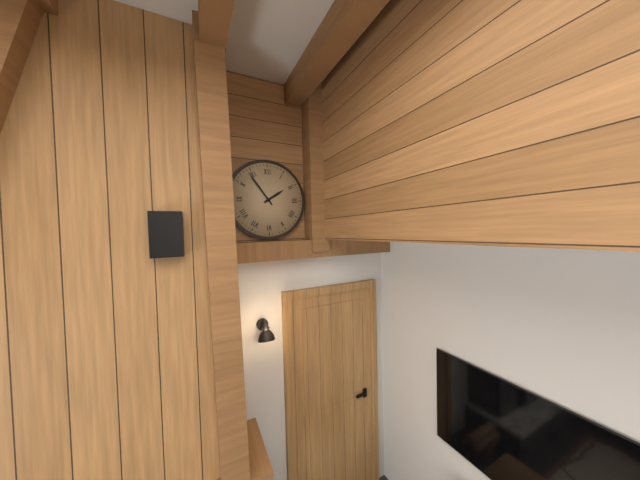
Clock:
h=1 m=54
